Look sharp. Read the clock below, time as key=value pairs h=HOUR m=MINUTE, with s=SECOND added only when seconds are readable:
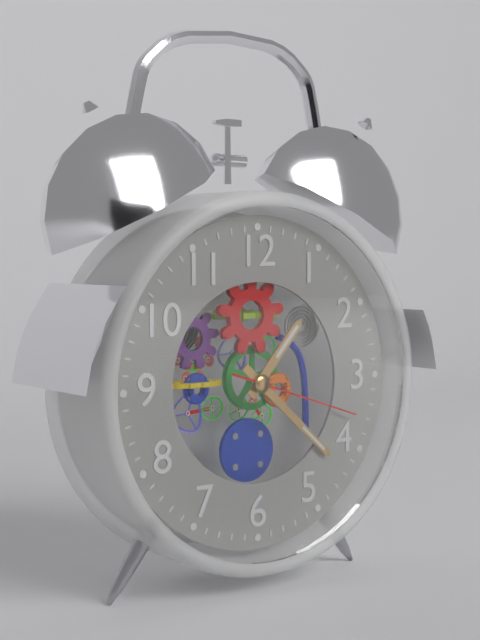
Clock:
h=1 m=22 s=18
